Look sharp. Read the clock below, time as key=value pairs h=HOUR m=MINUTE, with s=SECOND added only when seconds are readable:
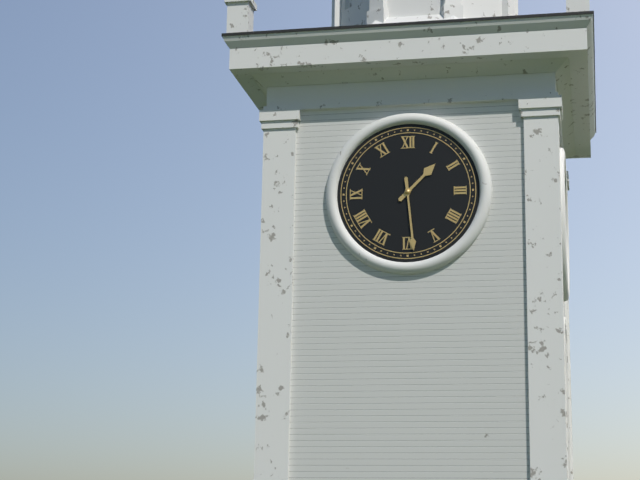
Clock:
h=1 m=29
